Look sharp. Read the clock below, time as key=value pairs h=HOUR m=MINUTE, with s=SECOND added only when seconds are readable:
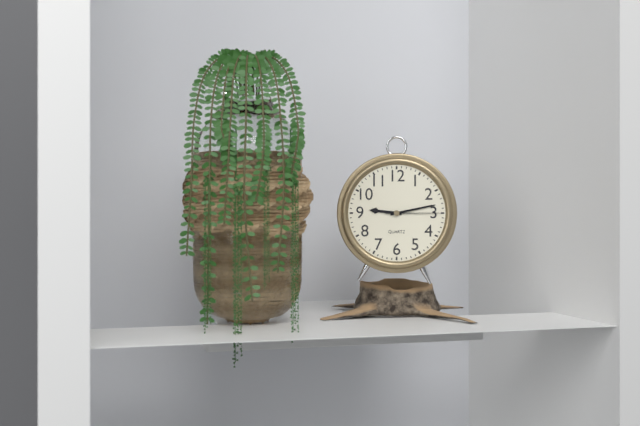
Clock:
h=9 m=13 s=15
